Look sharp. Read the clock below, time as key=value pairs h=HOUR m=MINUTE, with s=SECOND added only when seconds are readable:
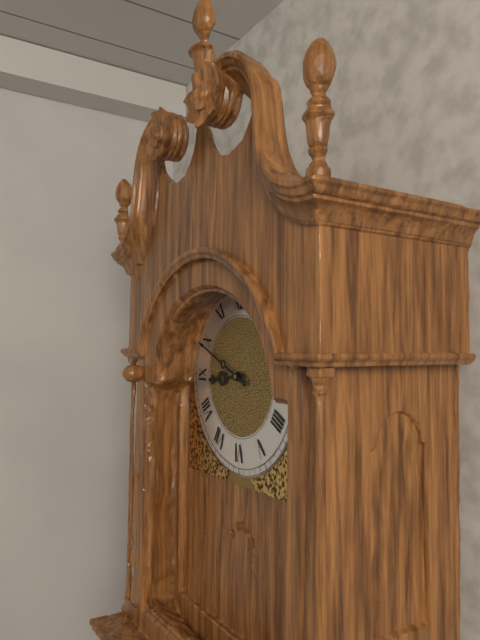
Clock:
h=8 m=49
